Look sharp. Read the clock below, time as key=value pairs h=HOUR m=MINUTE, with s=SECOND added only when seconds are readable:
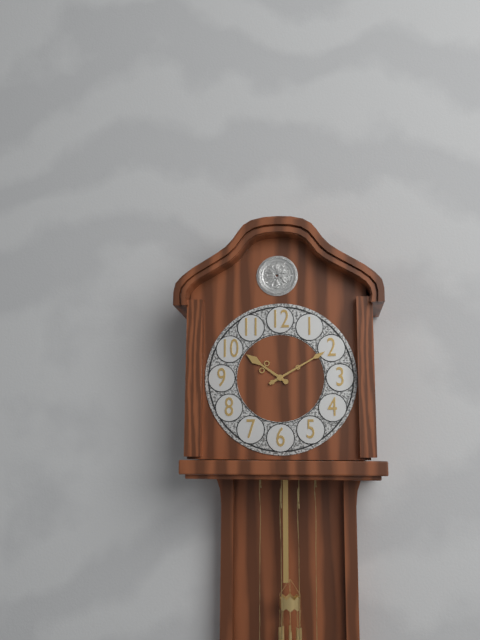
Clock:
h=10 m=10
